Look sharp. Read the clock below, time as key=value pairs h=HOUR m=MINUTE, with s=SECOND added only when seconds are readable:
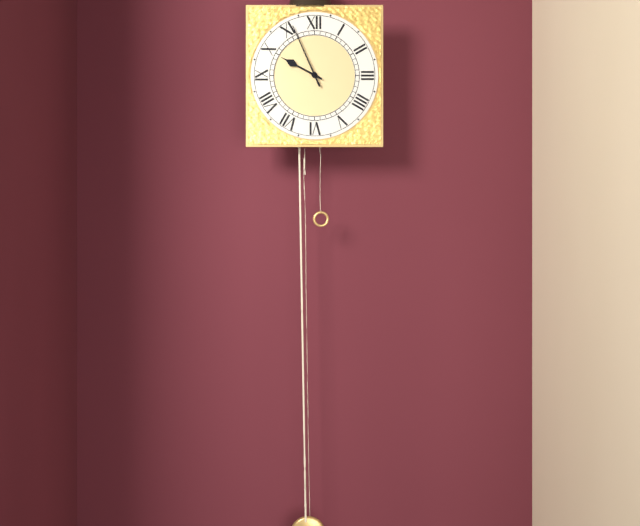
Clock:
h=9 m=56
